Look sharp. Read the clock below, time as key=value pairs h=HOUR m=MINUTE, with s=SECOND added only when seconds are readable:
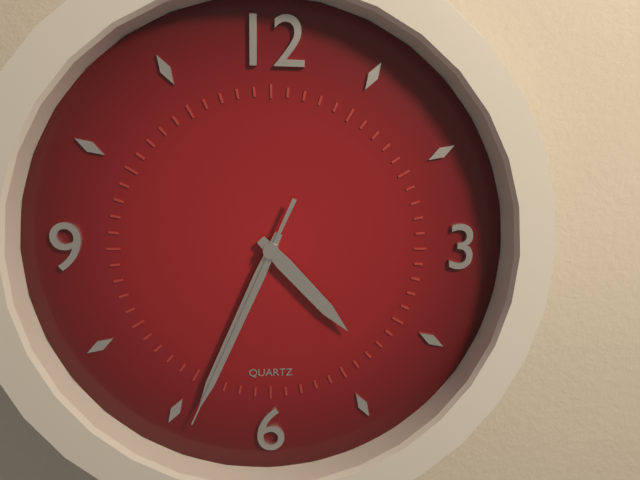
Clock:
h=4 m=34 s=34
